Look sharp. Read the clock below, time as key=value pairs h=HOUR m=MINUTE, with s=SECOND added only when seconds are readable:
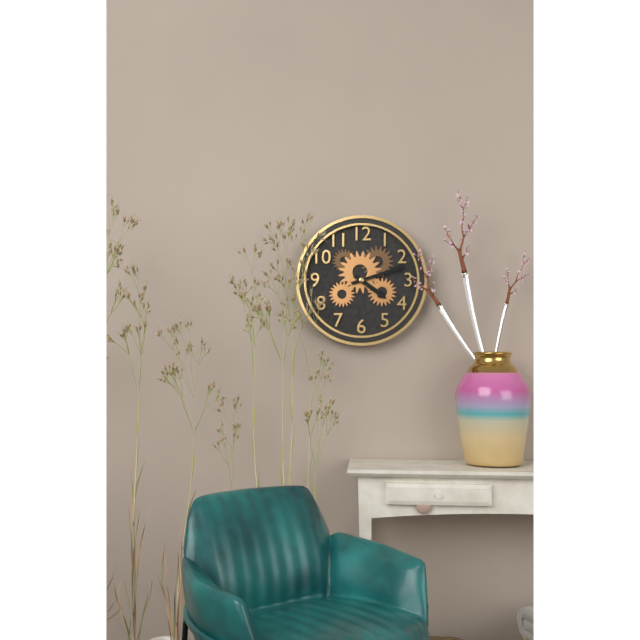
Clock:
h=4 m=12
